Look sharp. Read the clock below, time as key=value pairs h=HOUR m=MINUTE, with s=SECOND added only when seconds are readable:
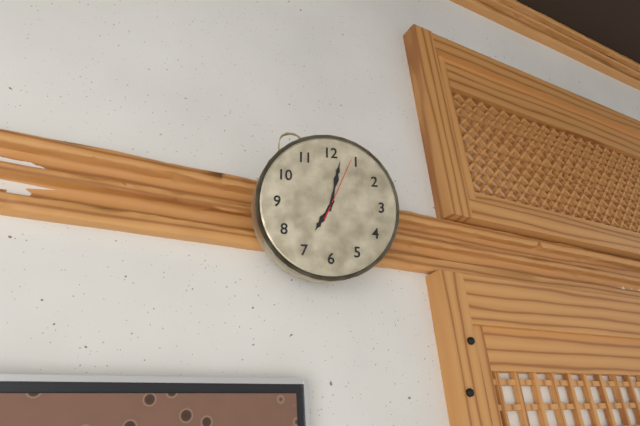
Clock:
h=7 m=2 s=4
